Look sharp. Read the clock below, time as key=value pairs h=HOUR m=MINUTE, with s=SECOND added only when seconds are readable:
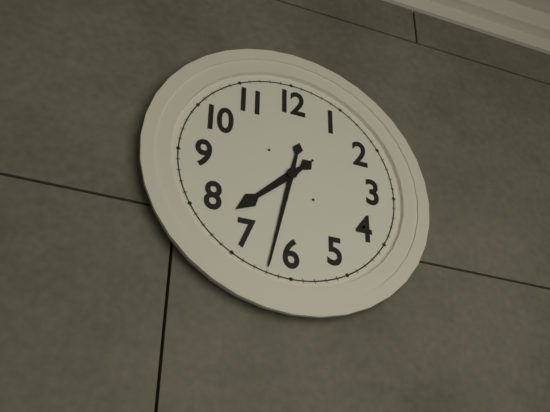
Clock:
h=7 m=32
